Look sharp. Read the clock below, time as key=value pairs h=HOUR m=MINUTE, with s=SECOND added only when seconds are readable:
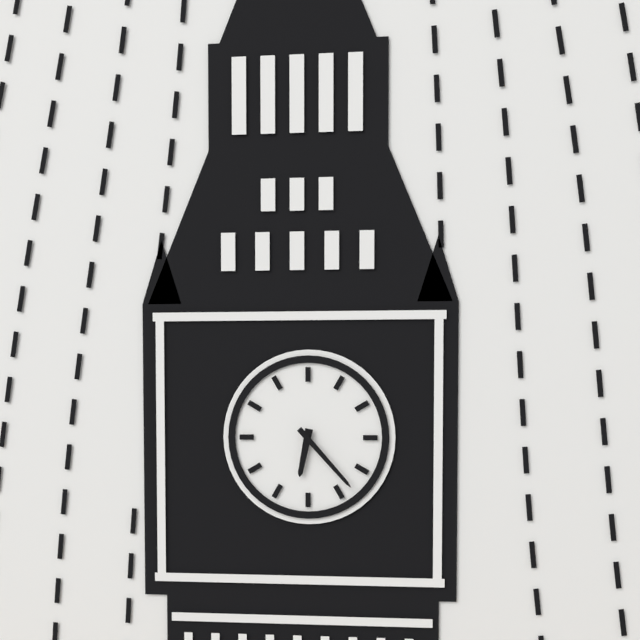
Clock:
h=6 m=23
